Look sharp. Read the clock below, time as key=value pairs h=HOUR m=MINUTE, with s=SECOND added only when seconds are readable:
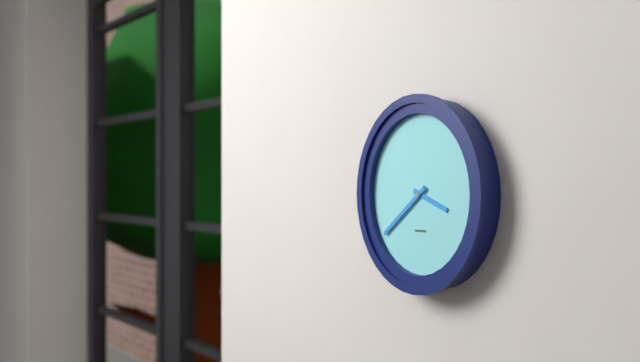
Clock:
h=3 m=39
